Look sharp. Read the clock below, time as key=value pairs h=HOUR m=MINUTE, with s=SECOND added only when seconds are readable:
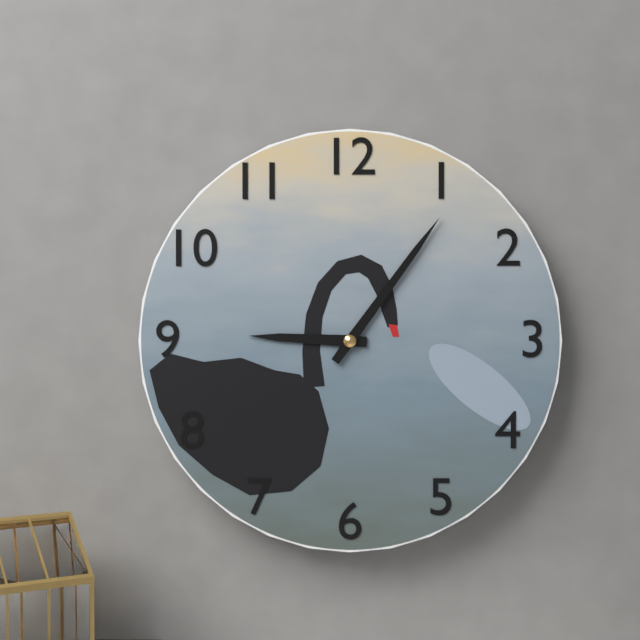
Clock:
h=9 m=6
